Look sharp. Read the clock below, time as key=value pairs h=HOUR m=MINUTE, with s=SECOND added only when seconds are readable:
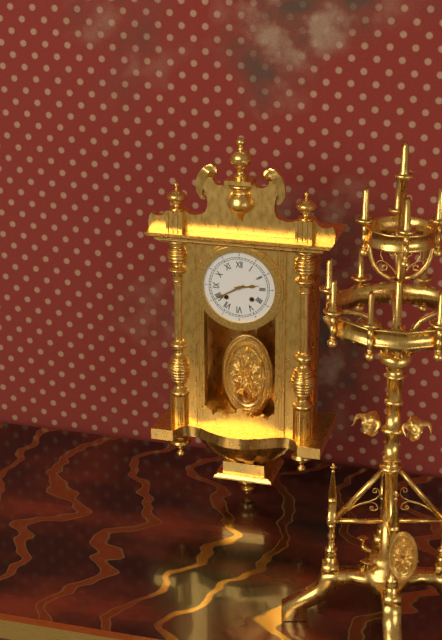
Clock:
h=2 m=40
